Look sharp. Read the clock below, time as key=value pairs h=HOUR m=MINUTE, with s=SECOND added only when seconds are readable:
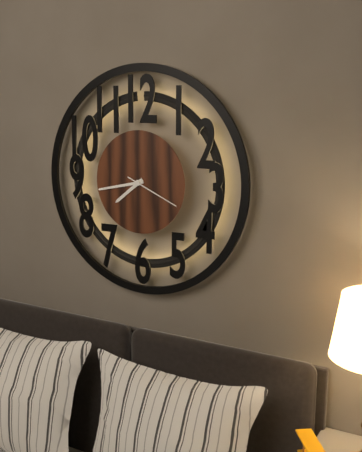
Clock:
h=7 m=43 s=19
